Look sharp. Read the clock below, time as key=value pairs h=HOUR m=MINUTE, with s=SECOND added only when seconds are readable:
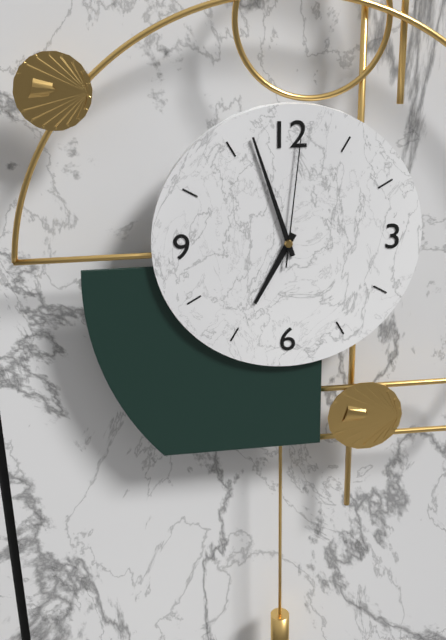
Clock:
h=6 m=57 s=1
